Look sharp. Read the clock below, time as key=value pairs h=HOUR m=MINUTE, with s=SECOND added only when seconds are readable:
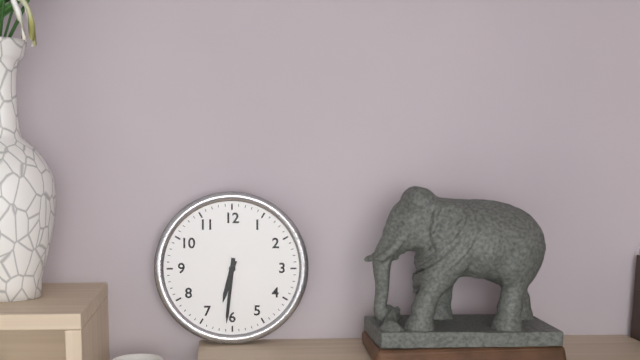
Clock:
h=6 m=31
